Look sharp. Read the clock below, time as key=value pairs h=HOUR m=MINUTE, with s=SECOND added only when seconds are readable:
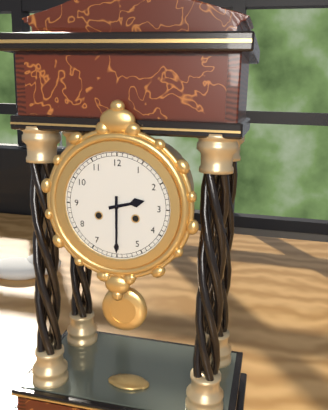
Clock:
h=2 m=30
